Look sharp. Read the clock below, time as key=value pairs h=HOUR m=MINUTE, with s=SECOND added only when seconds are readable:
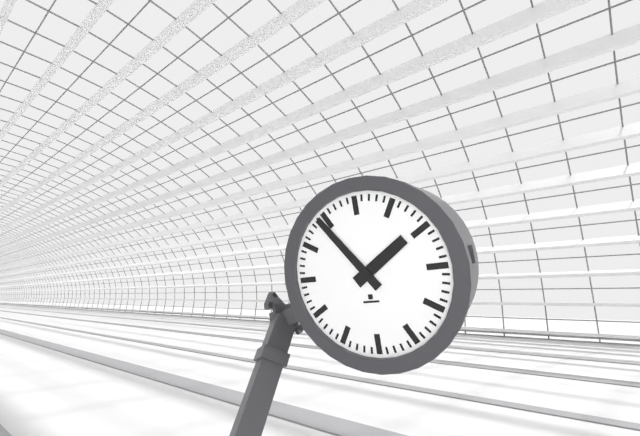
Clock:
h=1 m=54
